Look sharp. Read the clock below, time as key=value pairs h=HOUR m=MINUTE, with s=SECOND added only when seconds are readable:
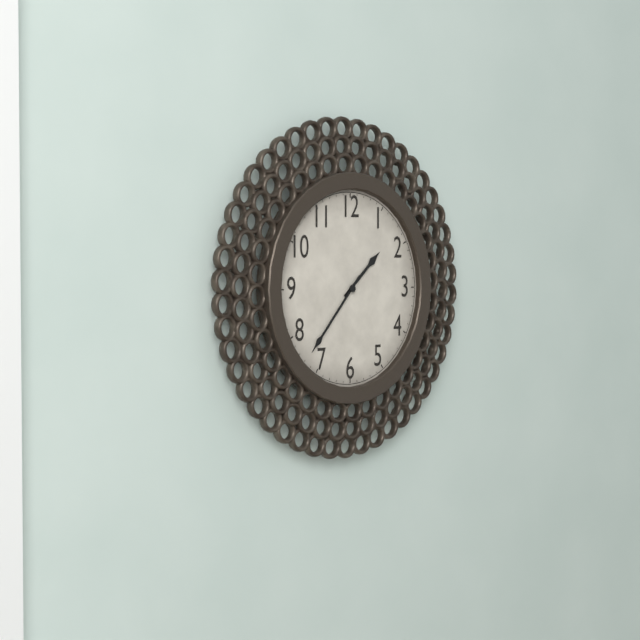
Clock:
h=1 m=37
